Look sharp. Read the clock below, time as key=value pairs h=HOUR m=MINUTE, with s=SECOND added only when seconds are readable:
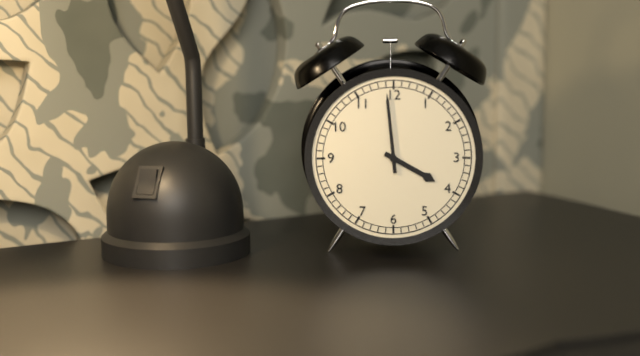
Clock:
h=3 m=59
